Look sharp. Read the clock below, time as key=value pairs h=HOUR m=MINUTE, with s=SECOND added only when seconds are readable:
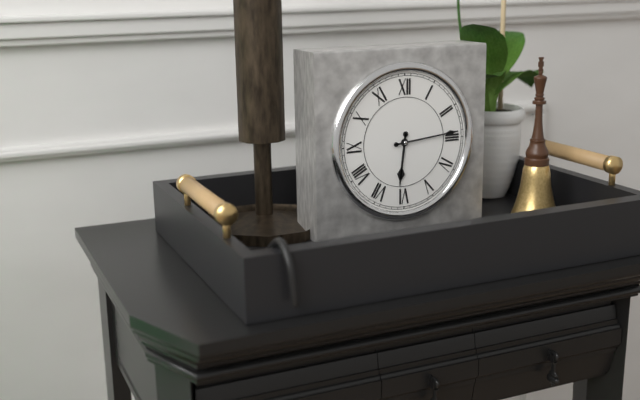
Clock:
h=6 m=14
